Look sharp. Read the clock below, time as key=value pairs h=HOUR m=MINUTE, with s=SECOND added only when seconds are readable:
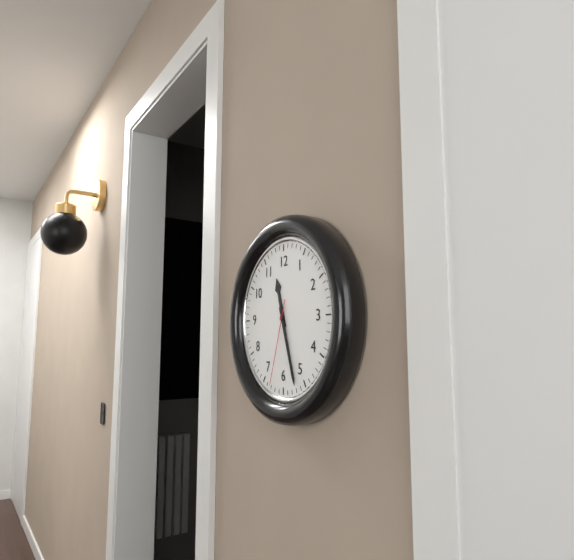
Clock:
h=11 m=27 s=33
